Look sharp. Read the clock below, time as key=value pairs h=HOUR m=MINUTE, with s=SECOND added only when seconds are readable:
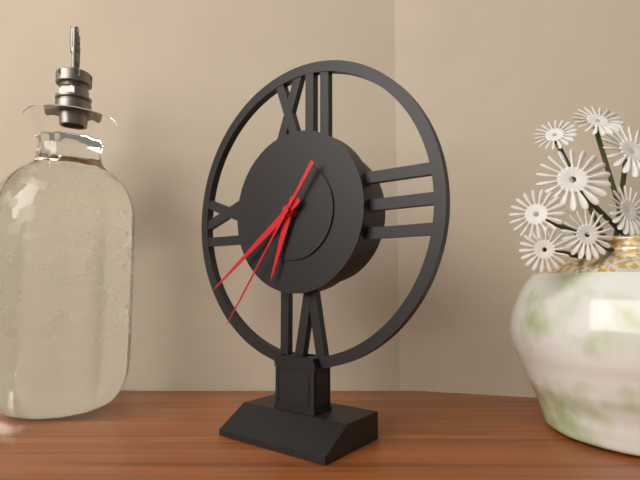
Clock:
h=6 m=39 s=36
